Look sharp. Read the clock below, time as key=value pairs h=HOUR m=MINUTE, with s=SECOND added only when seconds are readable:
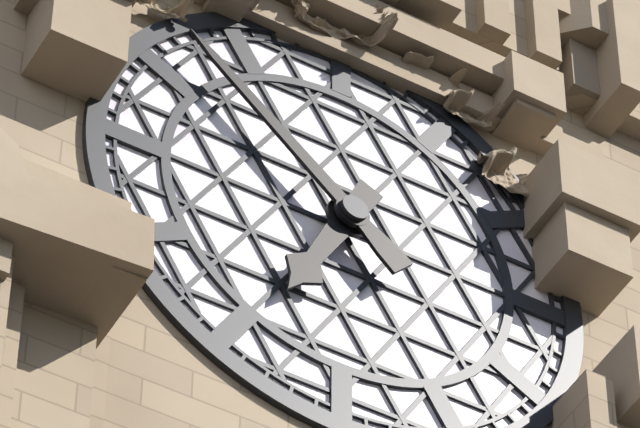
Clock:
h=6 m=52
